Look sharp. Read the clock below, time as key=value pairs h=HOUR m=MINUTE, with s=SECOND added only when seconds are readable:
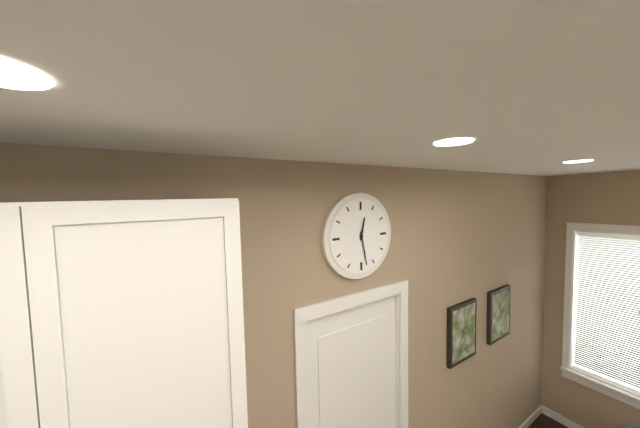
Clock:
h=12 m=28
